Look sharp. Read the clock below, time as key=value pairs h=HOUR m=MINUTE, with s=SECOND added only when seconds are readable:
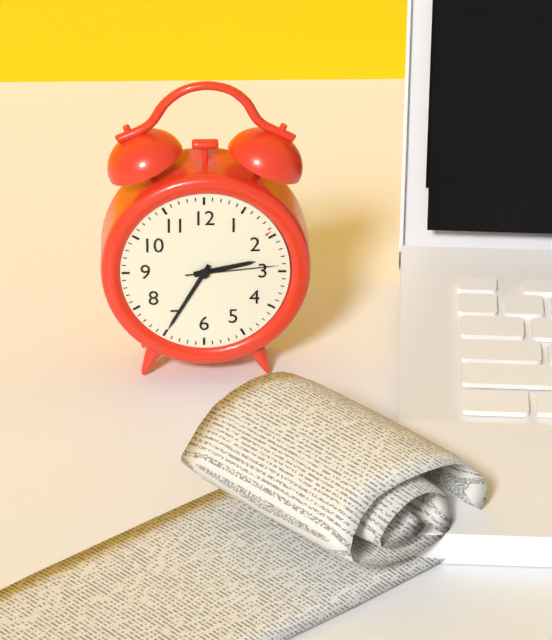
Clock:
h=2 m=35 s=14
